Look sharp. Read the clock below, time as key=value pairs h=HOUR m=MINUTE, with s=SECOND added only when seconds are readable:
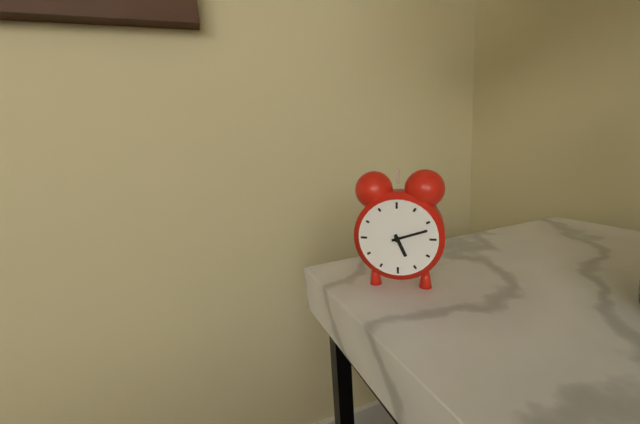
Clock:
h=5 m=12
